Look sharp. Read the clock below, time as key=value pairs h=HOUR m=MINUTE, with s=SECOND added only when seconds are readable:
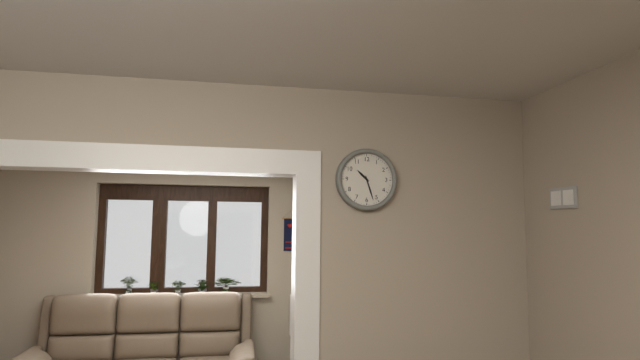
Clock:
h=10 m=27
